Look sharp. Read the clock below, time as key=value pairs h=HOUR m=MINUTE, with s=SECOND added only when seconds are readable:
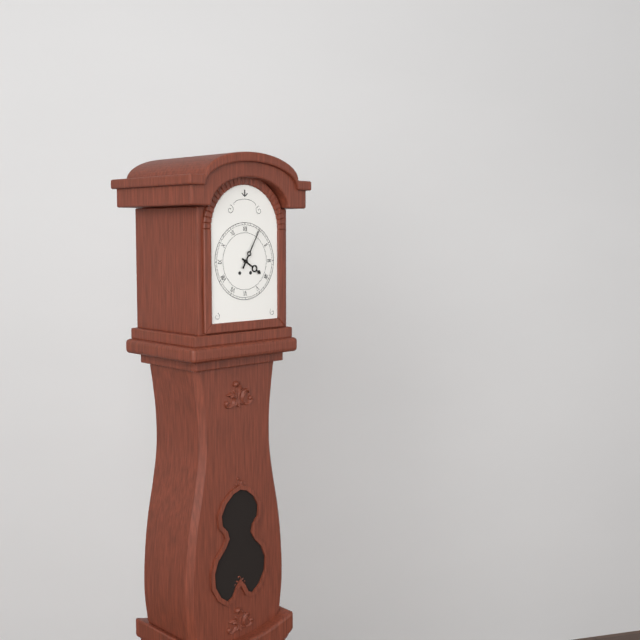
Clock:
h=4 m=5
